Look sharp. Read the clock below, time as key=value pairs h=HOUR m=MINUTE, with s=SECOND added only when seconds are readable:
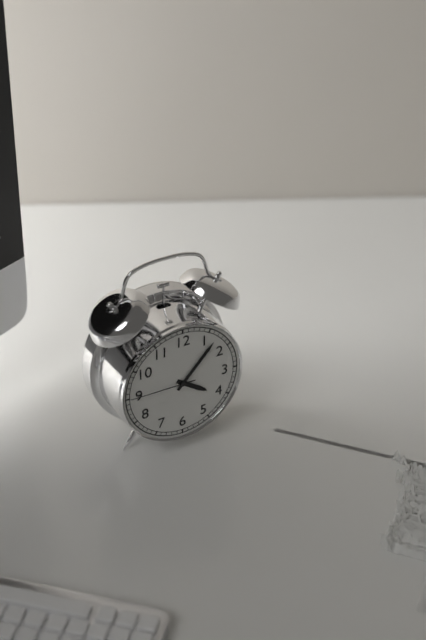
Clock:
h=4 m=7 s=45
